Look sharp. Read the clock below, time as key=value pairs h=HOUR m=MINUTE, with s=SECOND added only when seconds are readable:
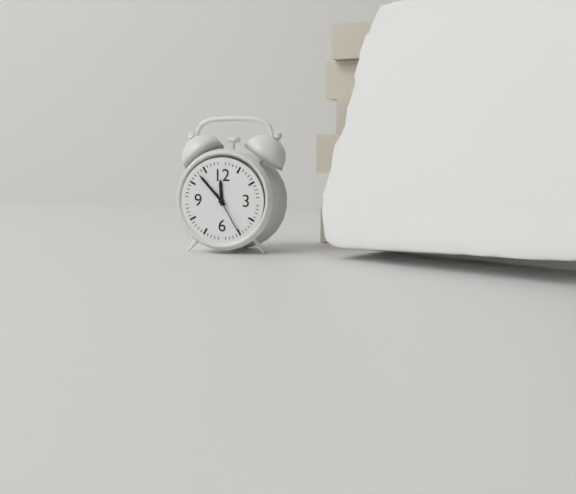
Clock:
h=11 m=53
